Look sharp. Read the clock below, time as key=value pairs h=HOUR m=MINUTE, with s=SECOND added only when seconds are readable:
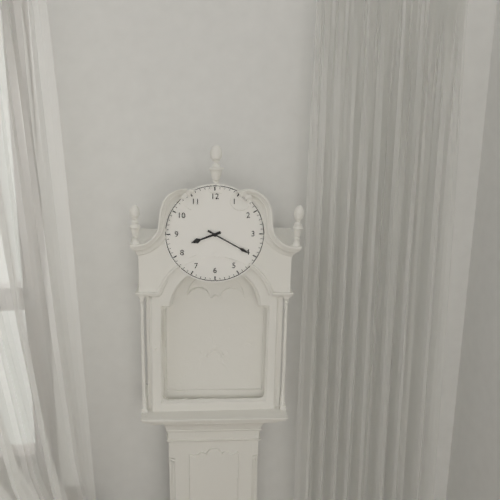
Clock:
h=8 m=20
